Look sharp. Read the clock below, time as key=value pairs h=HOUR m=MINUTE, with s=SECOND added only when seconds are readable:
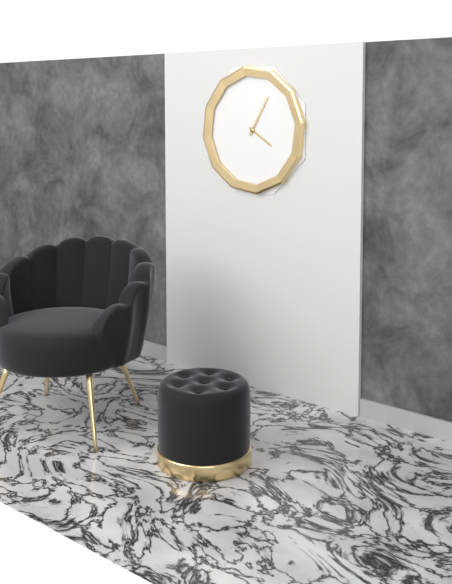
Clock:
h=4 m=5
